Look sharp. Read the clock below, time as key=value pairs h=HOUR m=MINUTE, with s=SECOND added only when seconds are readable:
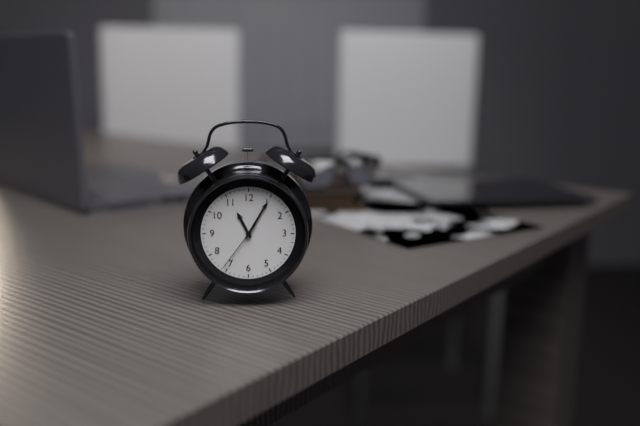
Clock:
h=11 m=5 s=36
